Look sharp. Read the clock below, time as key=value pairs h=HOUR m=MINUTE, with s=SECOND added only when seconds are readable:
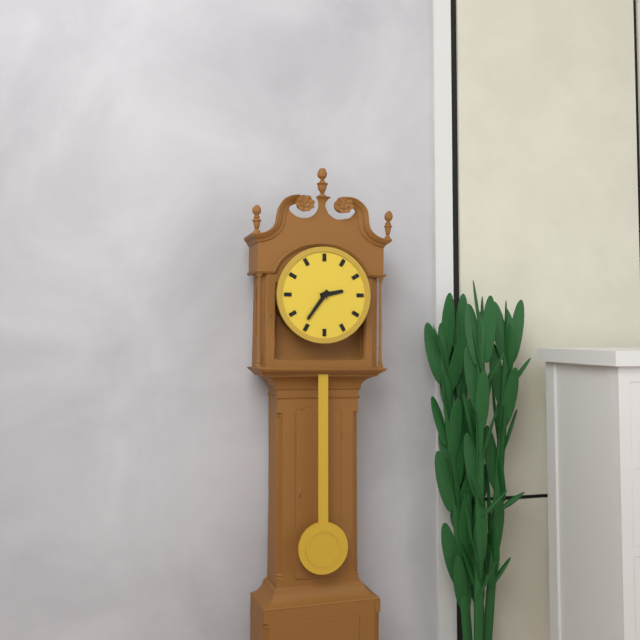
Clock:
h=2 m=36
